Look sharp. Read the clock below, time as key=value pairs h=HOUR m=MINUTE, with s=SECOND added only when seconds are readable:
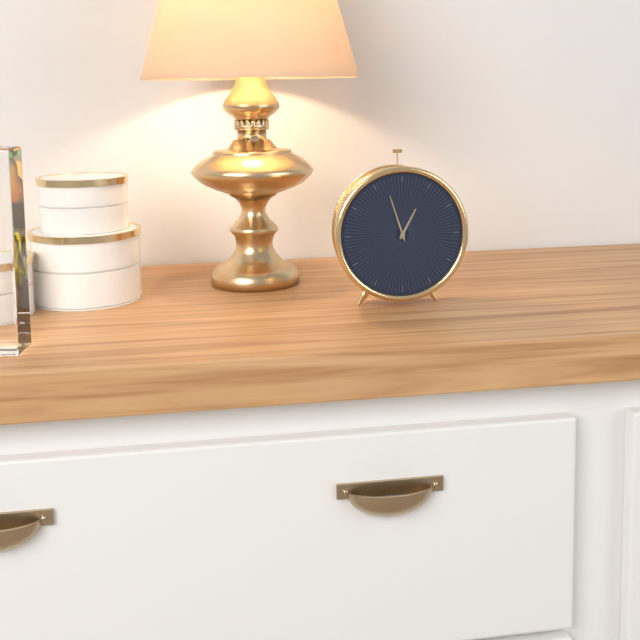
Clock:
h=12 m=57
